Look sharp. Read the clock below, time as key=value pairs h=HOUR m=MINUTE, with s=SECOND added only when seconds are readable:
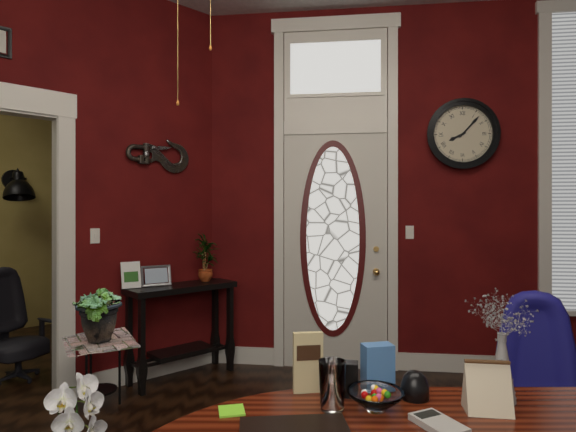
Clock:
h=8 m=7
